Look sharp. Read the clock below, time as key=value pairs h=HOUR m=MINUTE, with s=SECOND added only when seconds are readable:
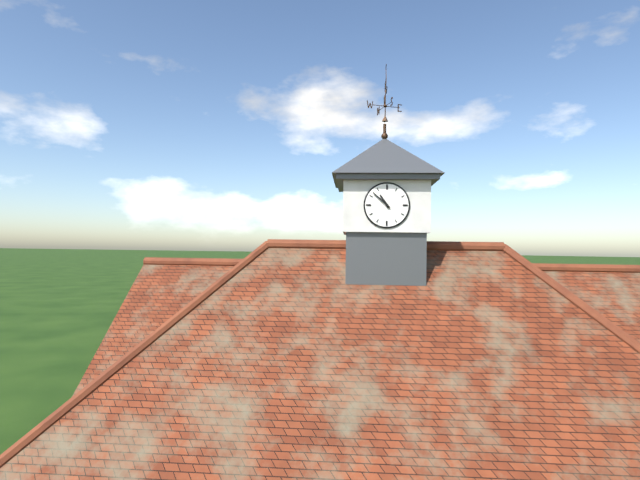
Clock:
h=10 m=52
